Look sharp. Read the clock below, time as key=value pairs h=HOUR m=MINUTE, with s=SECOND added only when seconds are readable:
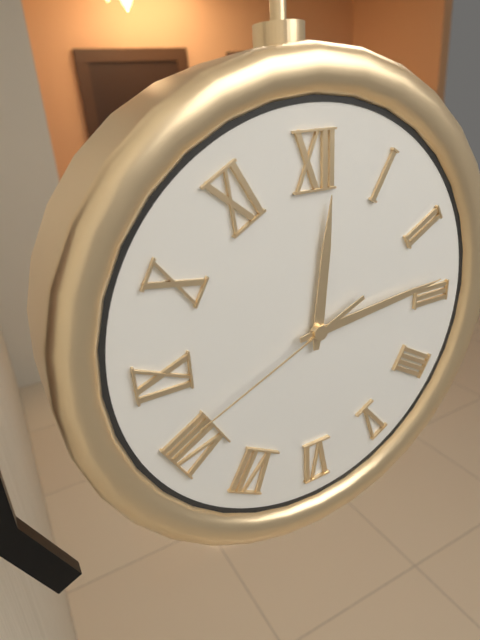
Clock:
h=12 m=14 s=41
